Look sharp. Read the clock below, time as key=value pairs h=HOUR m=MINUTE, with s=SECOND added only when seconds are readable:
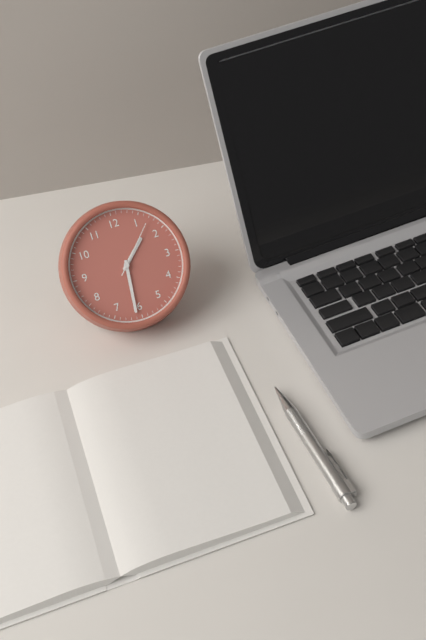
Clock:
h=1 m=31 s=7
